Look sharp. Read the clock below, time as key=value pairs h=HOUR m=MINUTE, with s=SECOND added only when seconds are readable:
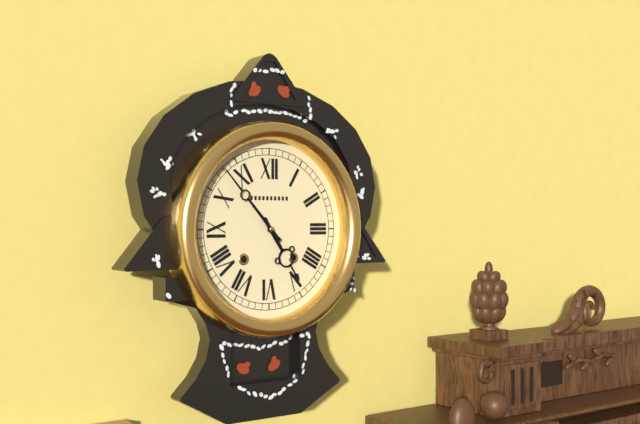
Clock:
h=4 m=53
